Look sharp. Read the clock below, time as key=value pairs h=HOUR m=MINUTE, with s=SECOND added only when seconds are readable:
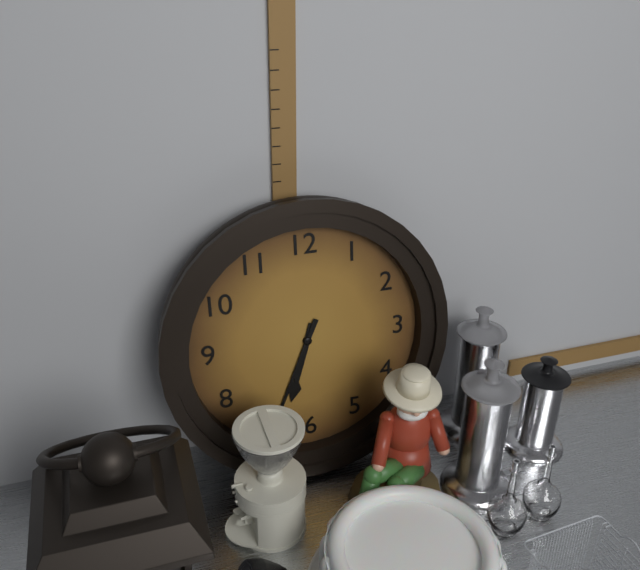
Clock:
h=6 m=34
